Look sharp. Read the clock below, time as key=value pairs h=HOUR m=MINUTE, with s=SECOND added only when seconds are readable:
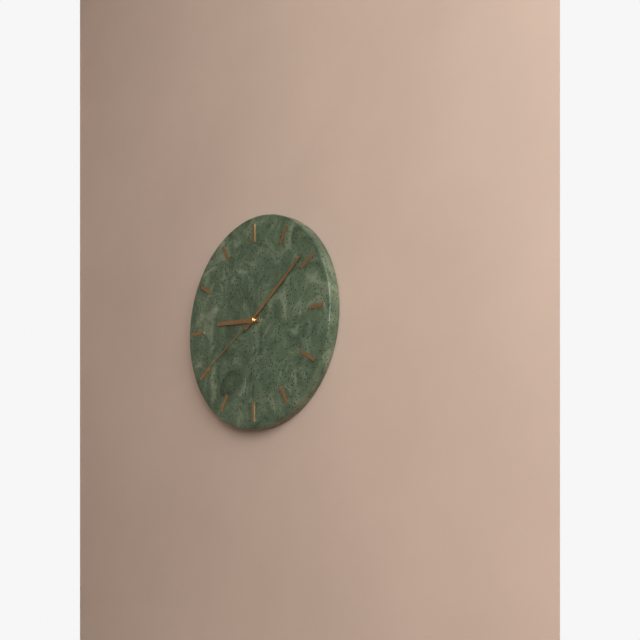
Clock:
h=9 m=9 s=40
